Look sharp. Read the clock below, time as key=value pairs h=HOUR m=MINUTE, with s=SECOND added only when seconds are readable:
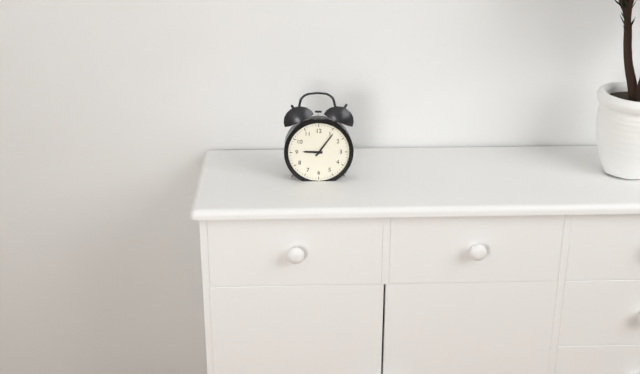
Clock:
h=9 m=6
